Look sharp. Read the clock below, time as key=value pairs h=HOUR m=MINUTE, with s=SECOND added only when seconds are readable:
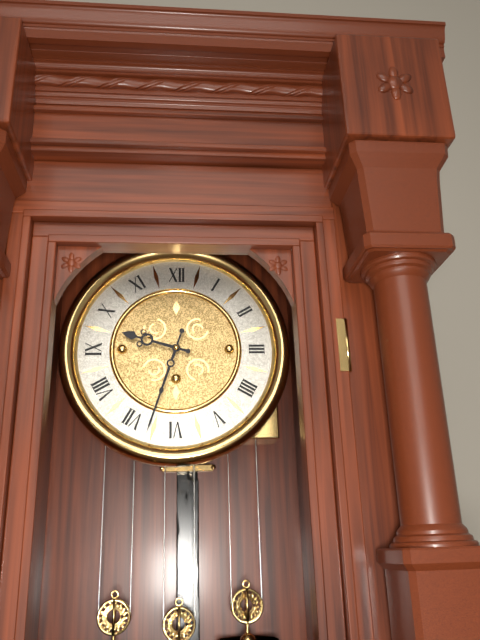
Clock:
h=9 m=33
